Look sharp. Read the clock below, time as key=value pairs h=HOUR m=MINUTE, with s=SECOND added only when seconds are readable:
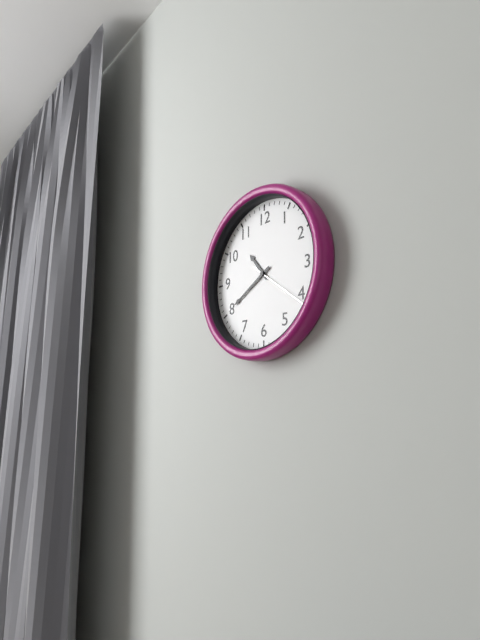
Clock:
h=10 m=40 s=21
